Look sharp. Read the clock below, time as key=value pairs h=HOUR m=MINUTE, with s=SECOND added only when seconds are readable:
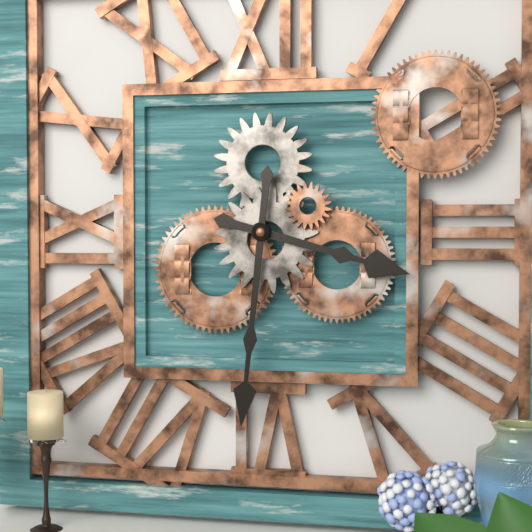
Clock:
h=3 m=31
